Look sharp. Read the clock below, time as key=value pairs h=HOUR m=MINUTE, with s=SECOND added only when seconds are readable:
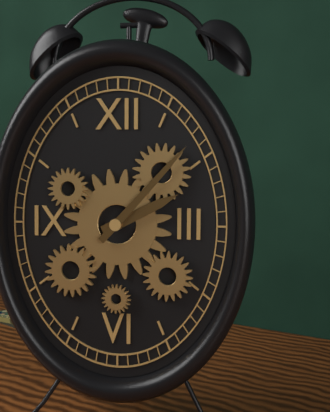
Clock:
h=2 m=7
